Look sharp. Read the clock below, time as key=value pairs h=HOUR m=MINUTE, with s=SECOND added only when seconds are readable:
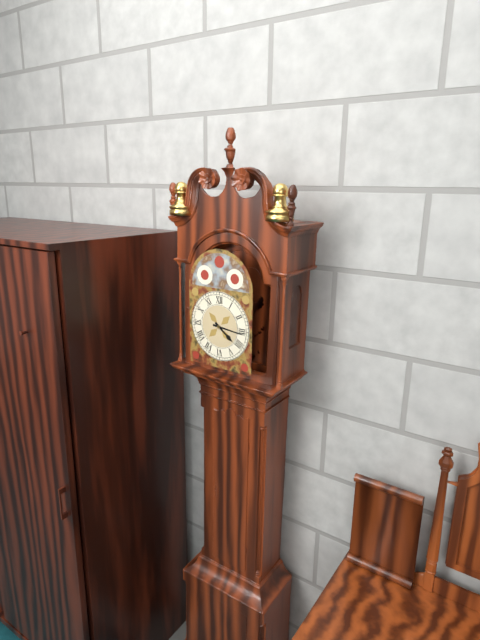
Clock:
h=4 m=16
